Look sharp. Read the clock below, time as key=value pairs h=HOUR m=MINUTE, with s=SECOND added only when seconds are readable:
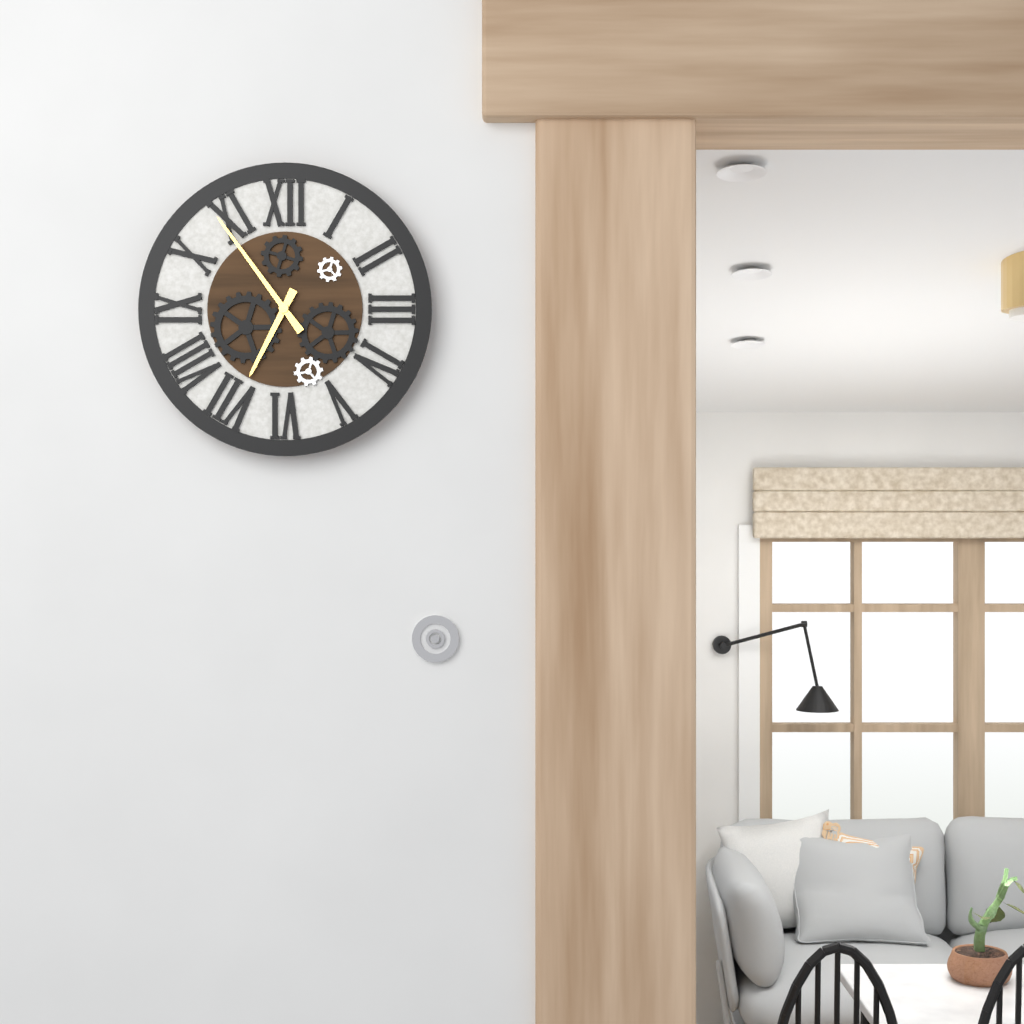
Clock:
h=6 m=54
